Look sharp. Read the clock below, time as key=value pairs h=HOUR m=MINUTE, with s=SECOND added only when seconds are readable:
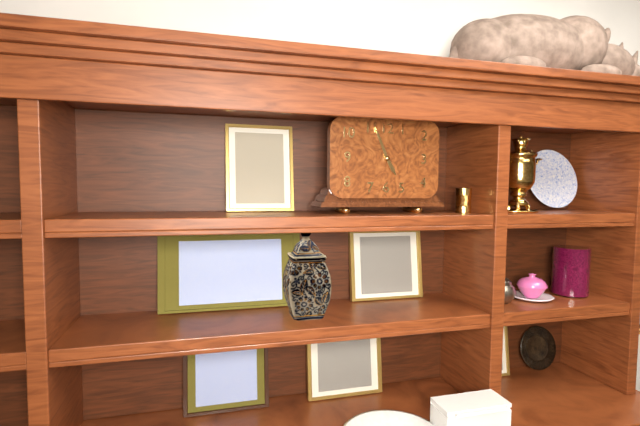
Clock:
h=4 m=56
